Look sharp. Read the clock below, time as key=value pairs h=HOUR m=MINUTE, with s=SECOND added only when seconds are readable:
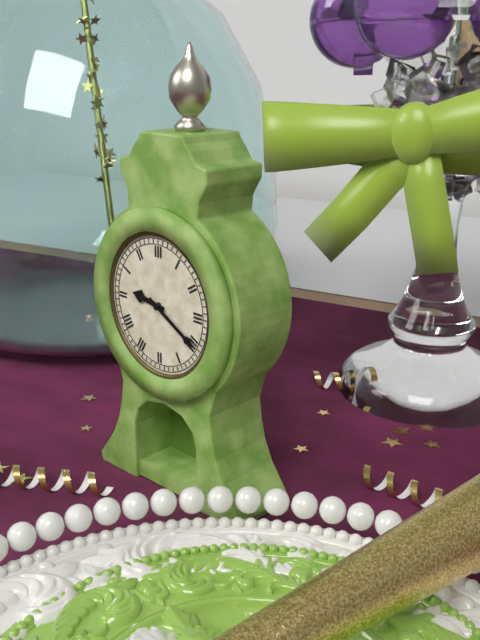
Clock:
h=9 m=20
